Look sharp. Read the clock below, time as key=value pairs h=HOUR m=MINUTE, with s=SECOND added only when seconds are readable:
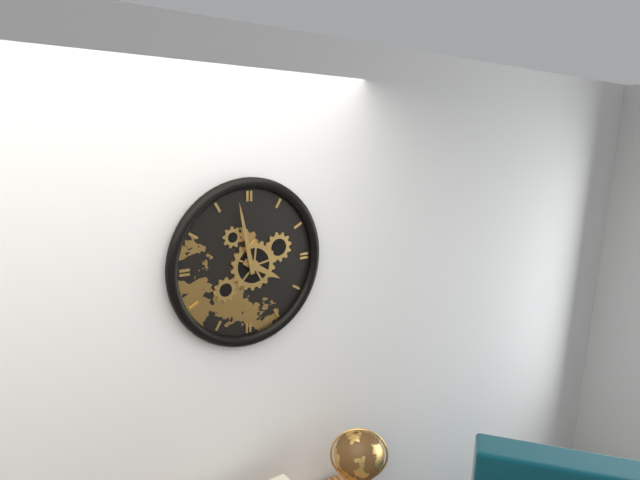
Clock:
h=3 m=58
